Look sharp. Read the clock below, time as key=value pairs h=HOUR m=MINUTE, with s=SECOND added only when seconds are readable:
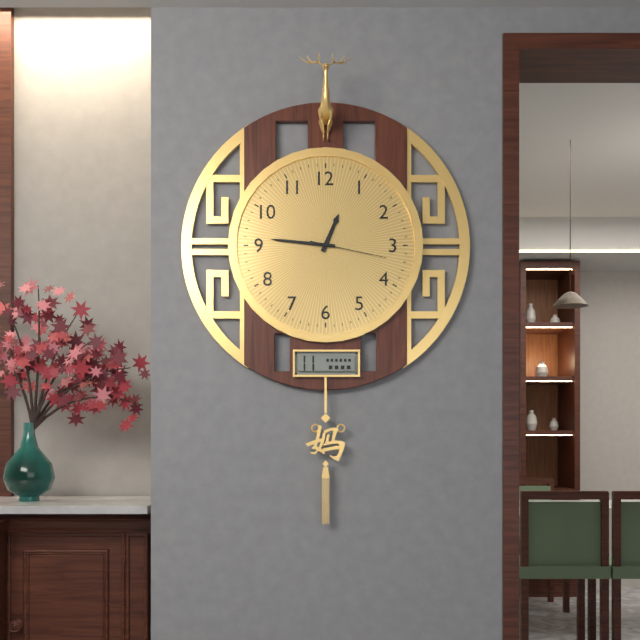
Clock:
h=12 m=46 s=17
